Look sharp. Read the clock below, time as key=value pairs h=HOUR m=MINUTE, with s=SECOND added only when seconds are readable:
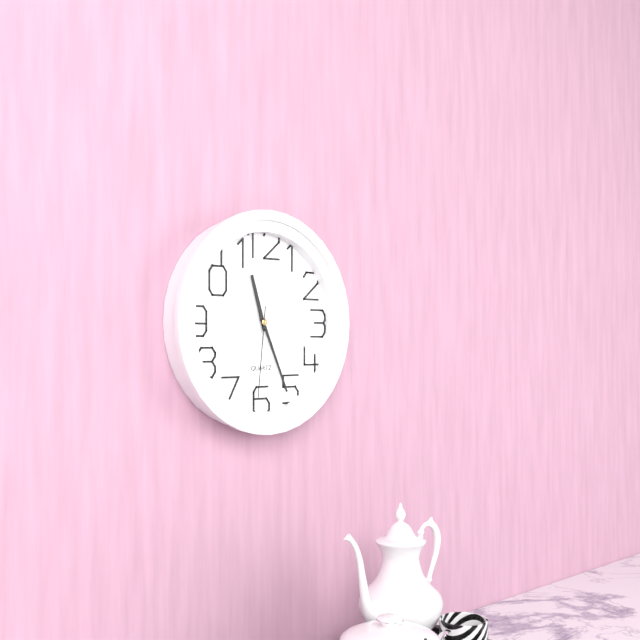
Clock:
h=11 m=26 s=31
